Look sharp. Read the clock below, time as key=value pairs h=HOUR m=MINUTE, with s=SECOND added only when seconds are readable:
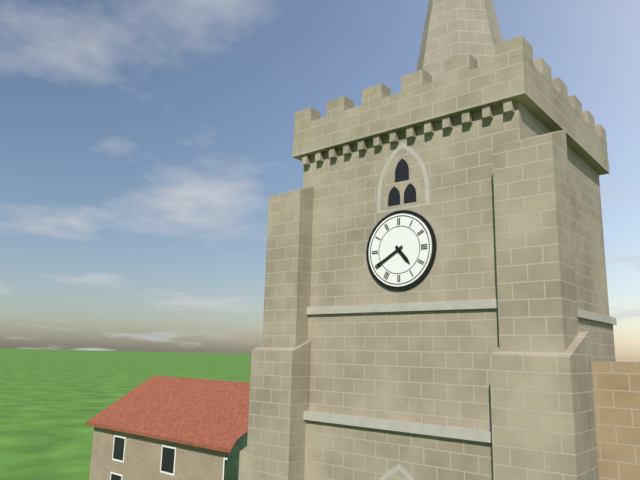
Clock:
h=4 m=40
